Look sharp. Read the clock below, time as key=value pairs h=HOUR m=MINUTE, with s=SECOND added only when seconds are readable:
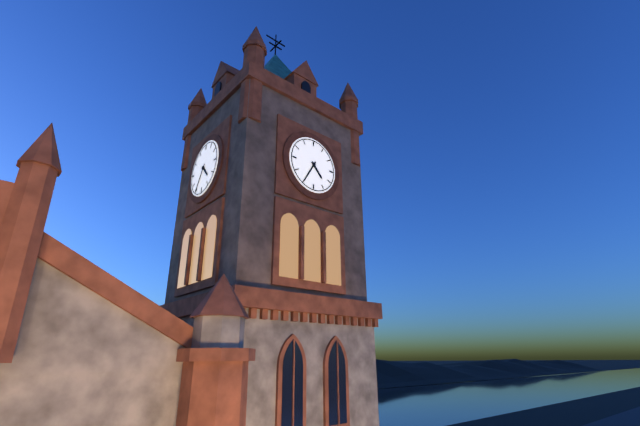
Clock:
h=4 m=35
